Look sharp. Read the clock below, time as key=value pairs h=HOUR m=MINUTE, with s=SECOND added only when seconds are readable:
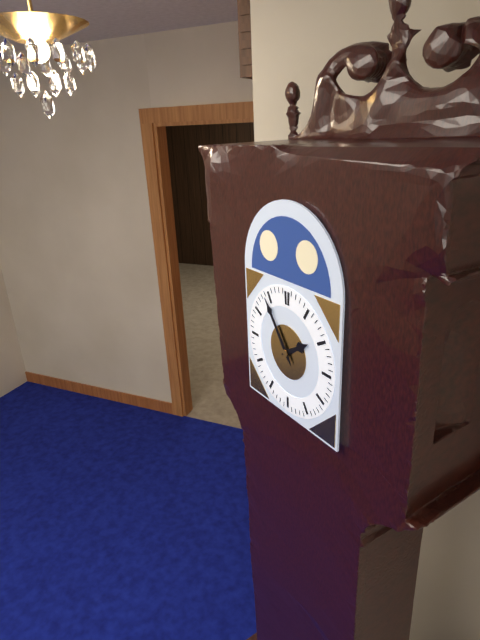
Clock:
h=1 m=54
